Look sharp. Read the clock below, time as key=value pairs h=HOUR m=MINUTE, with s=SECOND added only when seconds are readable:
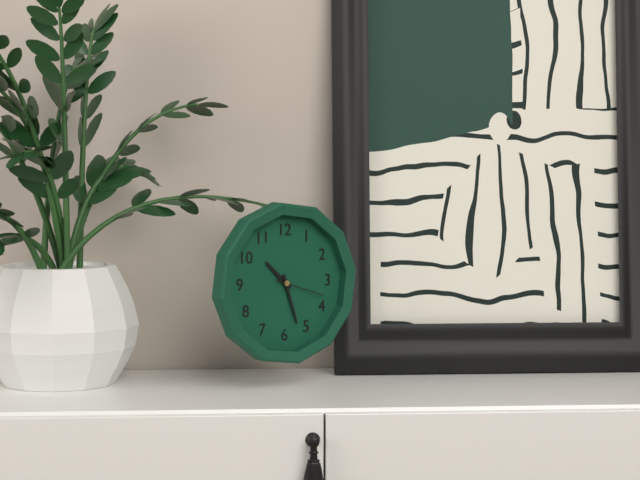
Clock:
h=10 m=27 s=18
